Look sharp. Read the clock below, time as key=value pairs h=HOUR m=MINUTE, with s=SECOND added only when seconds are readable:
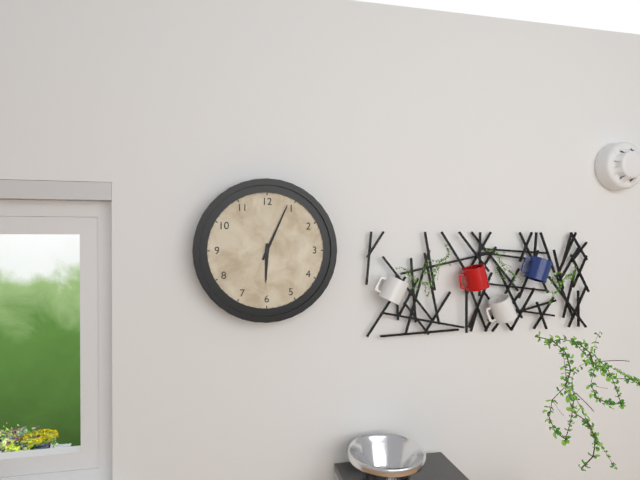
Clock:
h=6 m=4
